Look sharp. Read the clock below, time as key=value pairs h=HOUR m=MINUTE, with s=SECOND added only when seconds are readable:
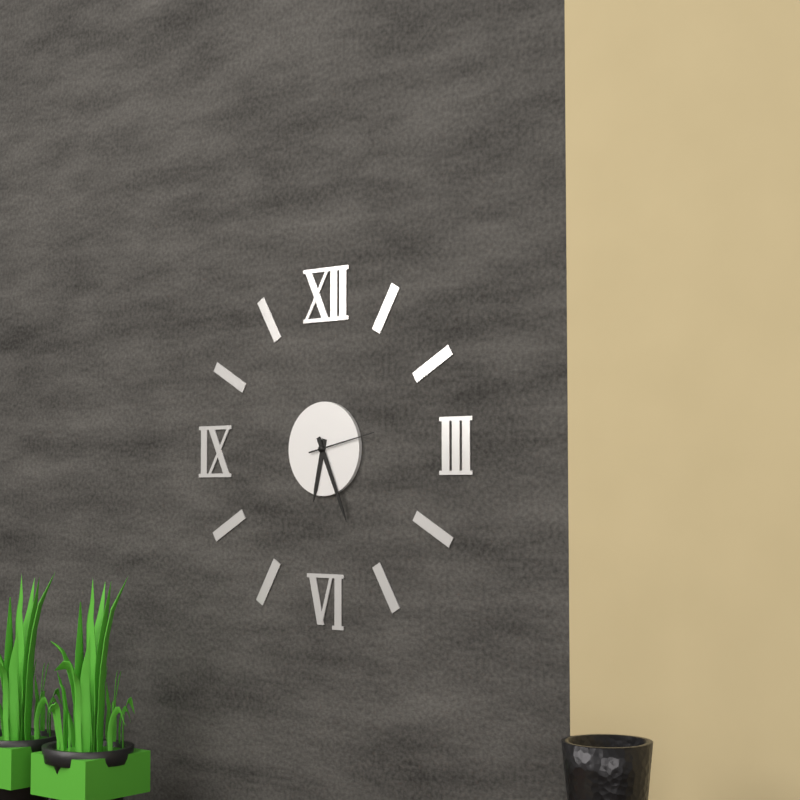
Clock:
h=6 m=26 s=13
